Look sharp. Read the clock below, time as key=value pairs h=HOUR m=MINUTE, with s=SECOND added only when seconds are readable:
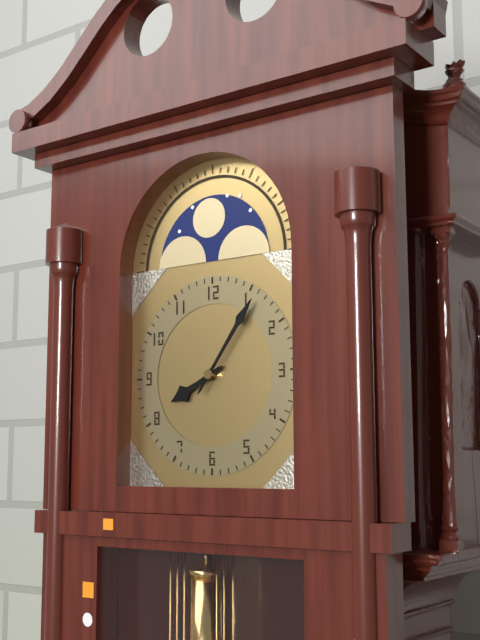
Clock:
h=8 m=6
